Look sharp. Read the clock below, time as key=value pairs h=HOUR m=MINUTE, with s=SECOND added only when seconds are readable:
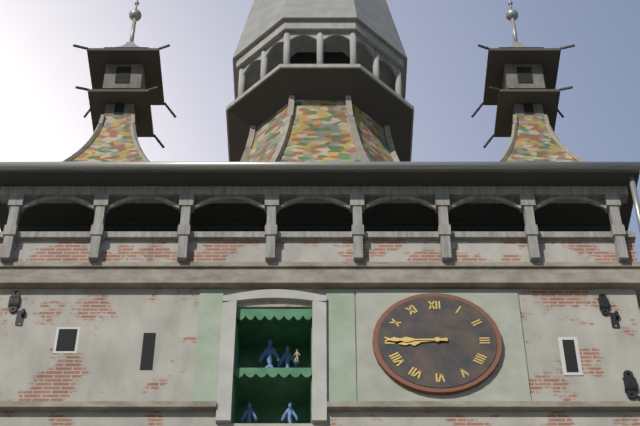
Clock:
h=8 m=45
